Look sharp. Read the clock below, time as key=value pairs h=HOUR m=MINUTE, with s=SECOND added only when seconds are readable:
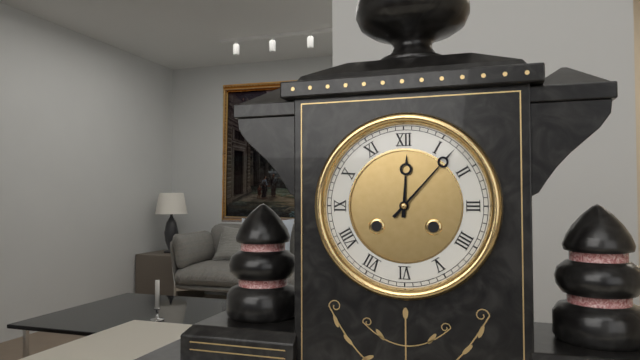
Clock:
h=12 m=7
